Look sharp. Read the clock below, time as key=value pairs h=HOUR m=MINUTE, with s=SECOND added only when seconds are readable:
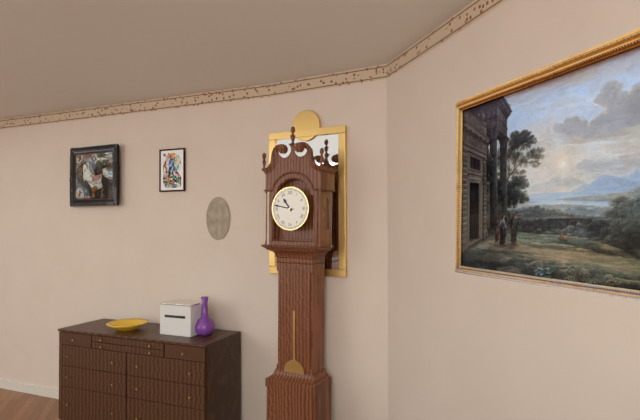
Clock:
h=10 m=47
